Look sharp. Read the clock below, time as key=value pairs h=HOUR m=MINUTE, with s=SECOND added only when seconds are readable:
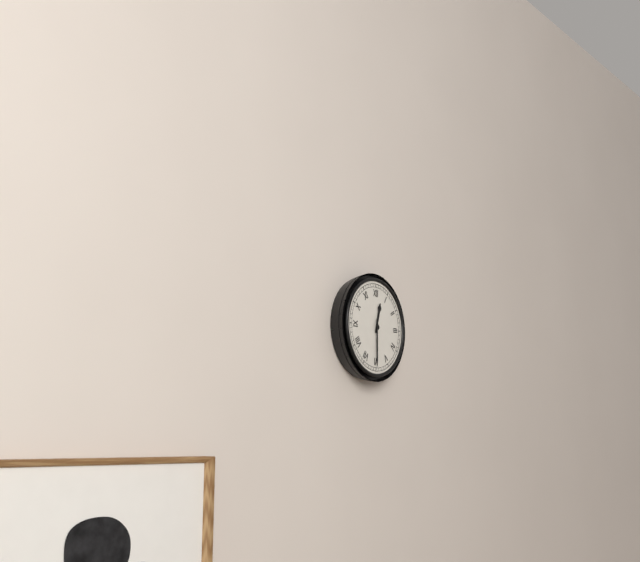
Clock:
h=12 m=30
